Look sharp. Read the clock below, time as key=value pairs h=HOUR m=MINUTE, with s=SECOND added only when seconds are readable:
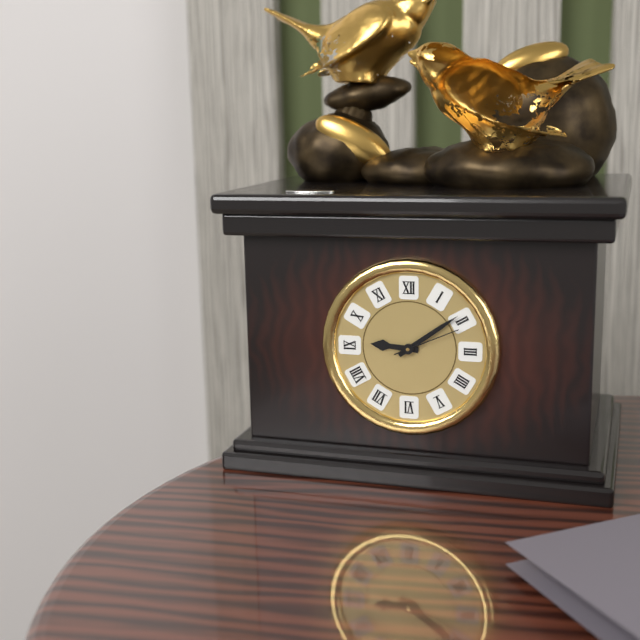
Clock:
h=9 m=9 s=11
